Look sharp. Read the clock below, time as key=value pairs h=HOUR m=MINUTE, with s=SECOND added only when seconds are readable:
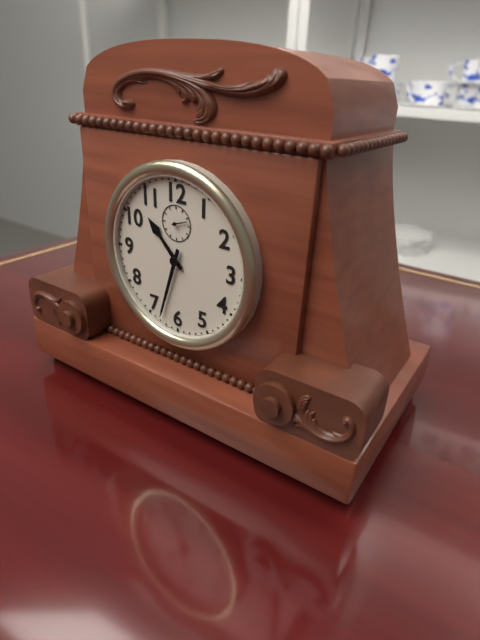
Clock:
h=10 m=33
